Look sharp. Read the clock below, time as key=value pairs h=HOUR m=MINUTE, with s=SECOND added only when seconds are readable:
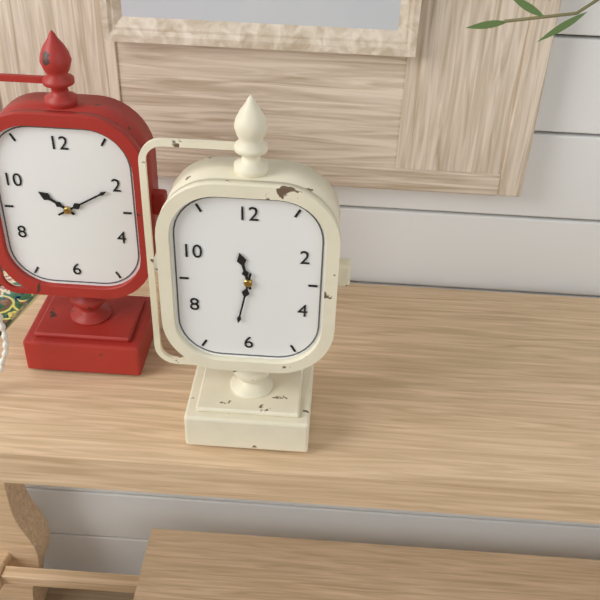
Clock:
h=11 m=32
